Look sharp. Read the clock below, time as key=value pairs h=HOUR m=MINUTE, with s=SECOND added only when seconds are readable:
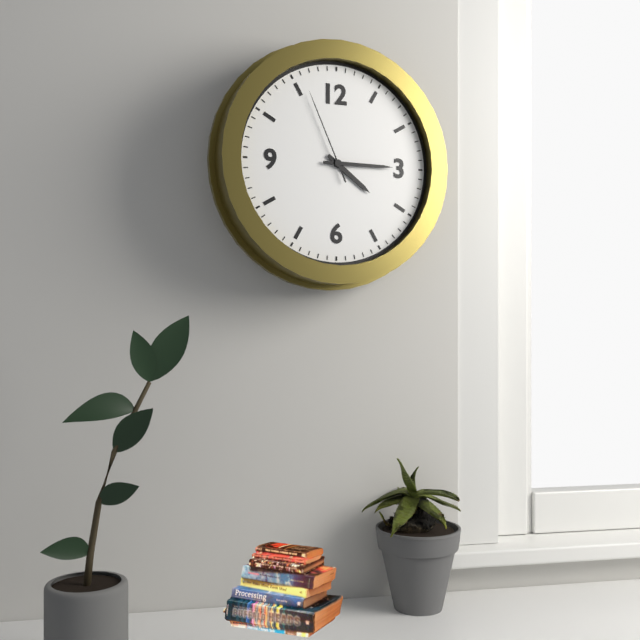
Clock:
h=4 m=15 s=56
